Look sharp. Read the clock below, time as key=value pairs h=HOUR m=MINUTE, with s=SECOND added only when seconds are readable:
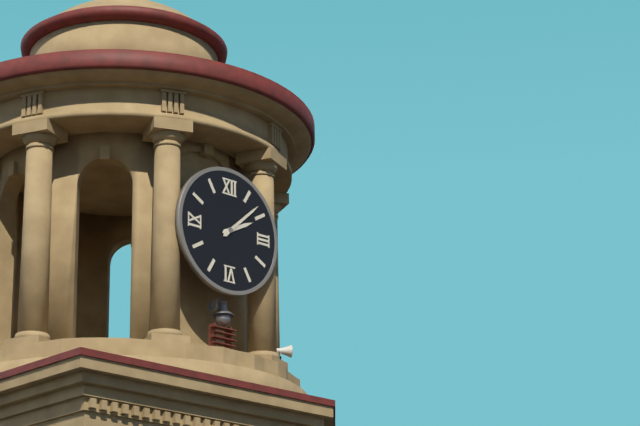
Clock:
h=2 m=8
